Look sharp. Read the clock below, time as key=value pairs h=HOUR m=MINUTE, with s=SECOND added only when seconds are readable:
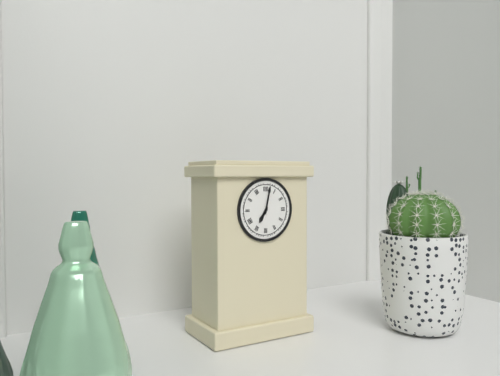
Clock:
h=7 m=2
